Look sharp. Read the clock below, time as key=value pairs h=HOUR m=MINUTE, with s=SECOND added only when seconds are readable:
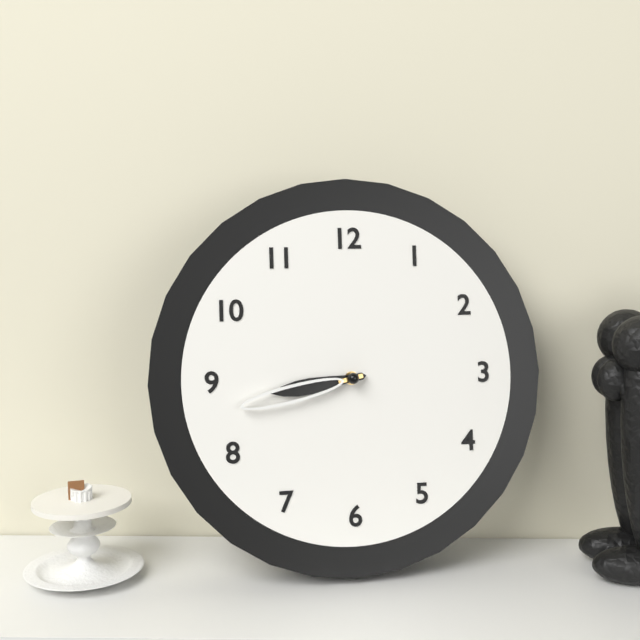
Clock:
h=8 m=43
